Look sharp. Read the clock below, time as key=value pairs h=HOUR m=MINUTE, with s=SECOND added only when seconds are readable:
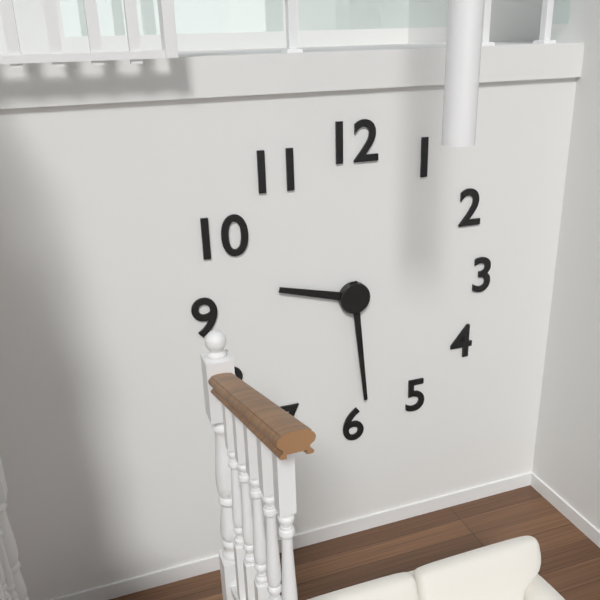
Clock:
h=9 m=29
